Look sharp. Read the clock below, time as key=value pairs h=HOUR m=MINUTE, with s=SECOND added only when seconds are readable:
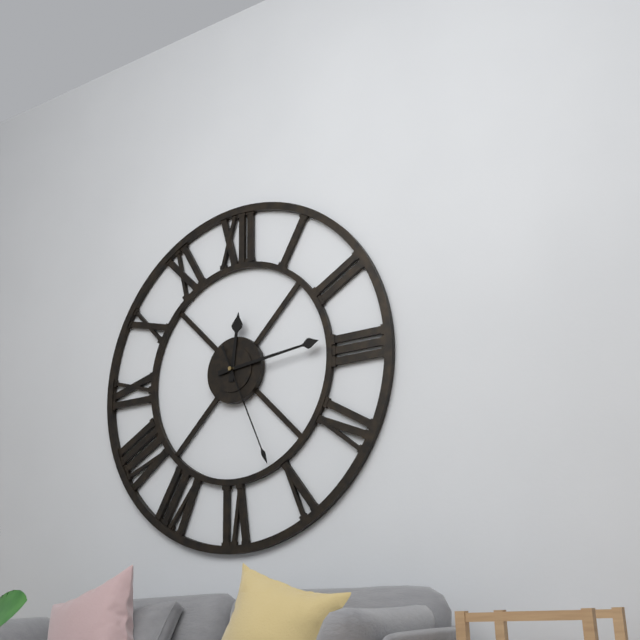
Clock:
h=12 m=14 s=26
